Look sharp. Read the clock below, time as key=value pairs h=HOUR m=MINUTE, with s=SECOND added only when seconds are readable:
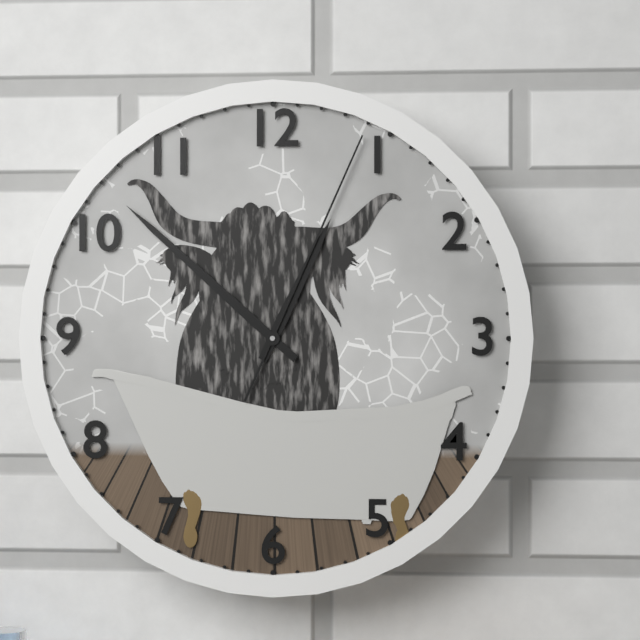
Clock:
h=12 m=52 s=4
